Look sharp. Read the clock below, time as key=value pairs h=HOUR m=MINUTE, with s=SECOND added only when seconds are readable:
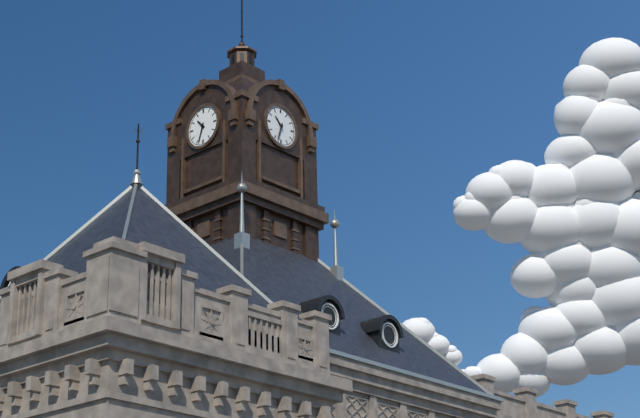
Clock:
h=10 m=33
